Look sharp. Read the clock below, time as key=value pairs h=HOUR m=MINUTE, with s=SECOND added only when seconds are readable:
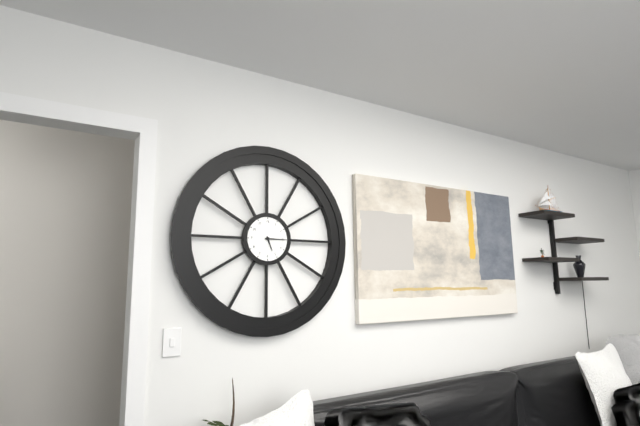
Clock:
h=5 m=15
